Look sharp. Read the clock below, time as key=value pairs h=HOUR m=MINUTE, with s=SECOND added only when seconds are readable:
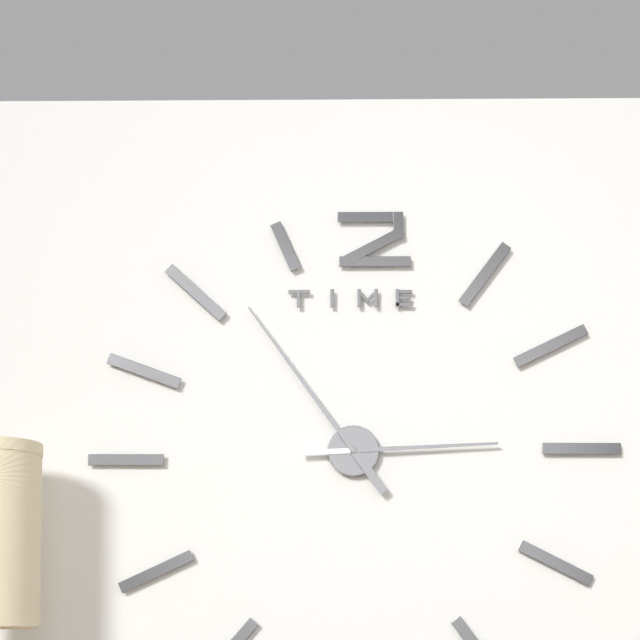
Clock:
h=2 m=54
